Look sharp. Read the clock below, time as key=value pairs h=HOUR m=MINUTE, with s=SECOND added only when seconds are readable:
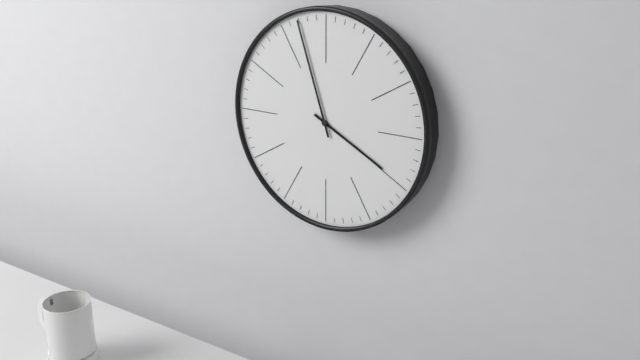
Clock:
h=3 m=57
